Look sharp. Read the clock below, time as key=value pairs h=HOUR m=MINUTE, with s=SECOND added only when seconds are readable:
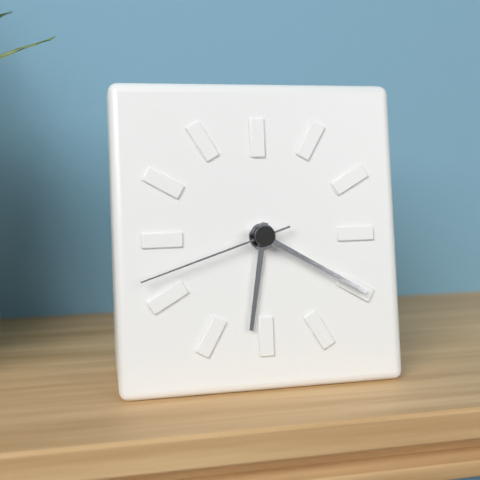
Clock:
h=6 m=20 s=42
